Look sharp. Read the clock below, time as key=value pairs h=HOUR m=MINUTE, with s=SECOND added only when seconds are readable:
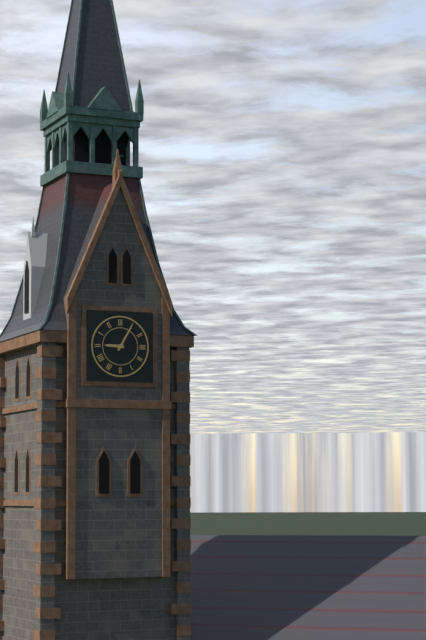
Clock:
h=9 m=5
